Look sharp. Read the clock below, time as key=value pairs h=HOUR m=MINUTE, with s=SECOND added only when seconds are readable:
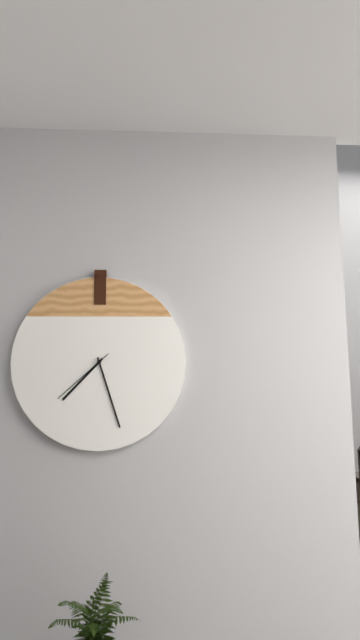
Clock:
h=7 m=27 s=38
